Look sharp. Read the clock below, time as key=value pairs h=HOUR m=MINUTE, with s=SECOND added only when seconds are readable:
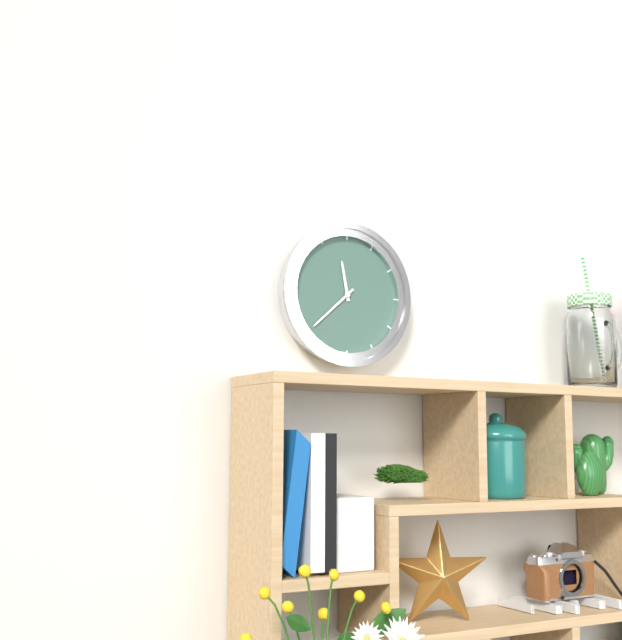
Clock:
h=11 m=38
